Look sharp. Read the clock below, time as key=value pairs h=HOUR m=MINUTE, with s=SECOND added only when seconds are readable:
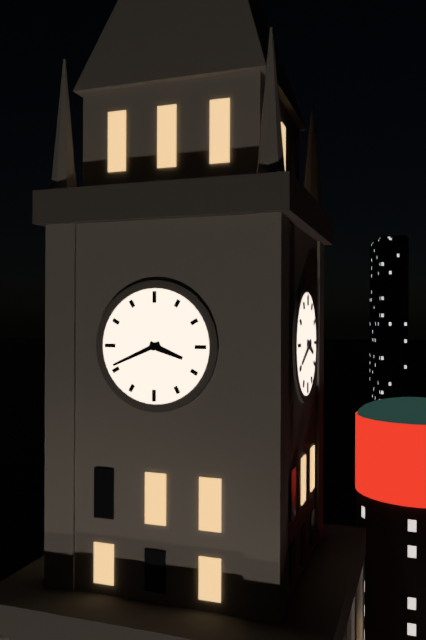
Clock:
h=3 m=41
